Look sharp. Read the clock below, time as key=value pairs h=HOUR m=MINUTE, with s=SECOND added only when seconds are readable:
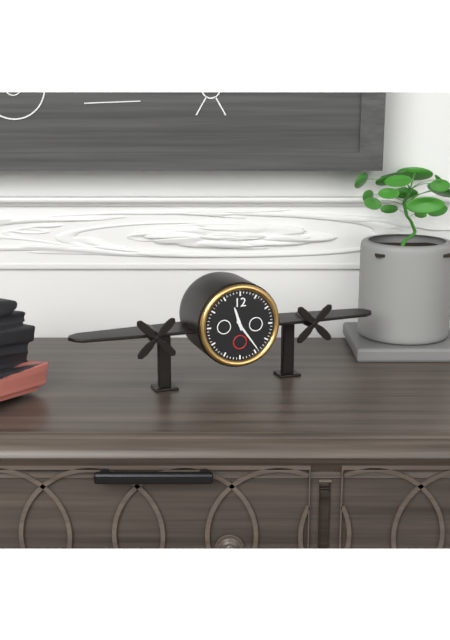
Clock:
h=11 m=24
